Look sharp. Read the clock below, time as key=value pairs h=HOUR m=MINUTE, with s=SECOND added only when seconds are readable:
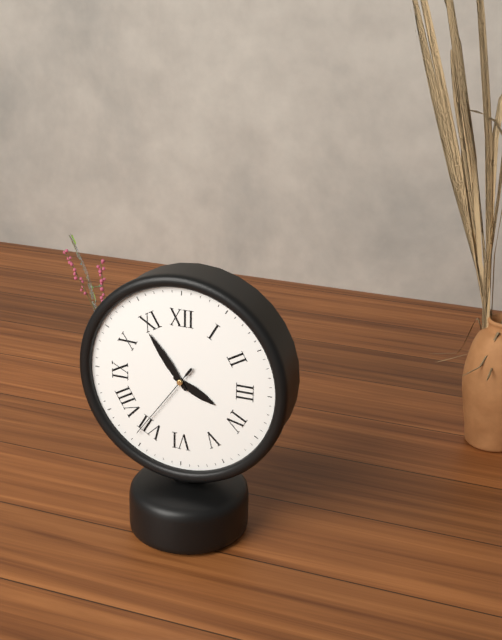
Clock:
h=3 m=54 s=36
